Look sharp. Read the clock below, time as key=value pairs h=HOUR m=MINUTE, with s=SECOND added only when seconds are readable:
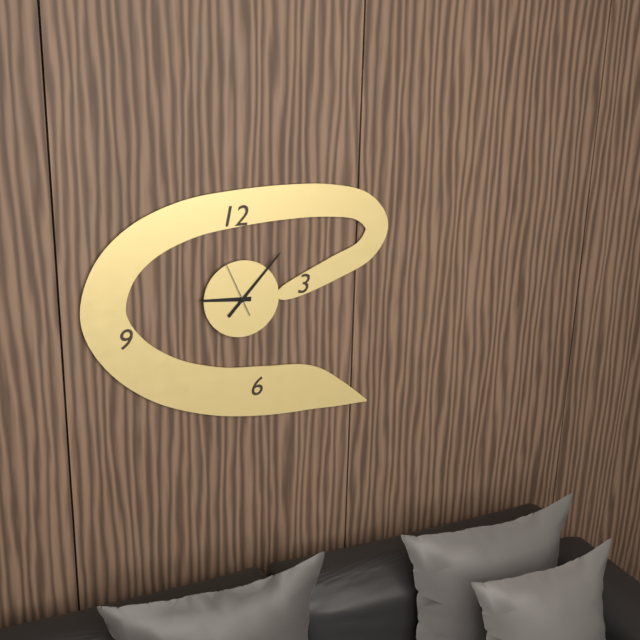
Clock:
h=9 m=7 s=56
